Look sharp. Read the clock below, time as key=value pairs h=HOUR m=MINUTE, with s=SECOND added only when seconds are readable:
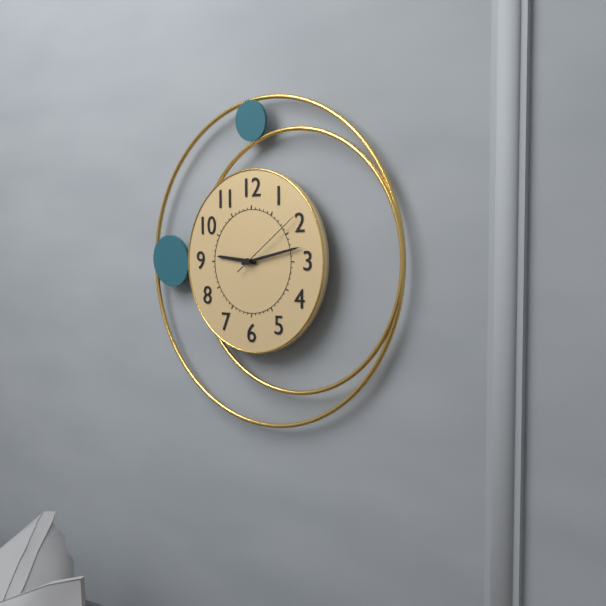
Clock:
h=9 m=13 s=9
